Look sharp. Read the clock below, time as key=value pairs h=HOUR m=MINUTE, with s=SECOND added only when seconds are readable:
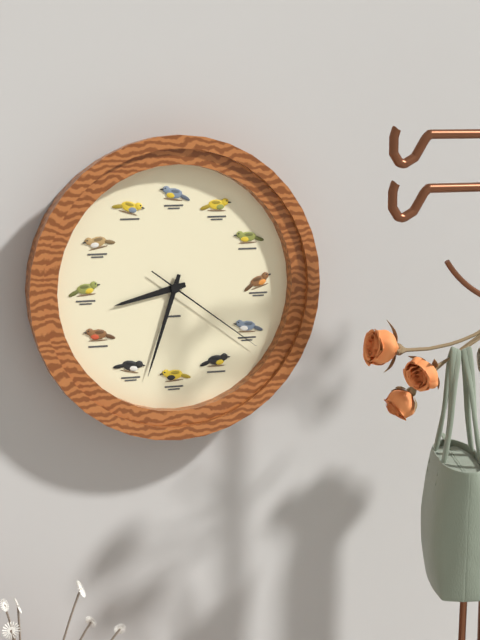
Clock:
h=8 m=33 s=21
